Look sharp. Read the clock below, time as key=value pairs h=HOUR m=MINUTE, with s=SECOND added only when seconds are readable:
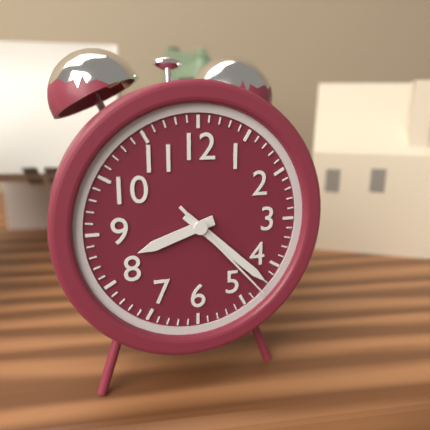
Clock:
h=8 m=22 s=23
